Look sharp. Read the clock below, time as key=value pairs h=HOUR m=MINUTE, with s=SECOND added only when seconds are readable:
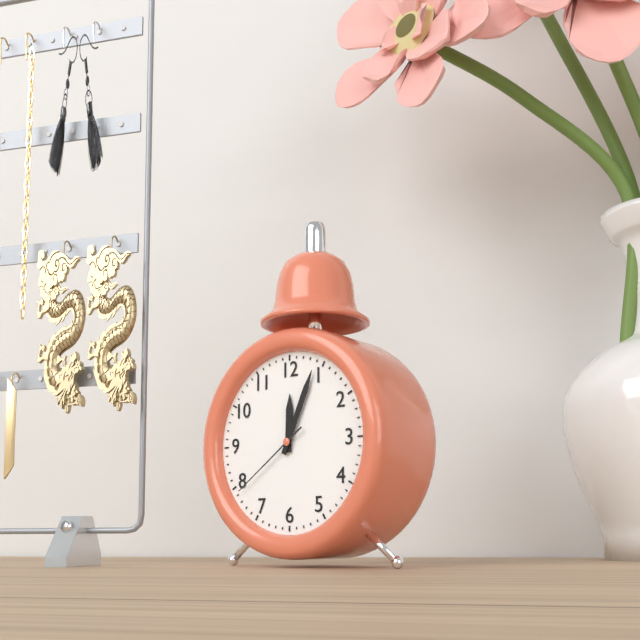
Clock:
h=12 m=4 s=39
